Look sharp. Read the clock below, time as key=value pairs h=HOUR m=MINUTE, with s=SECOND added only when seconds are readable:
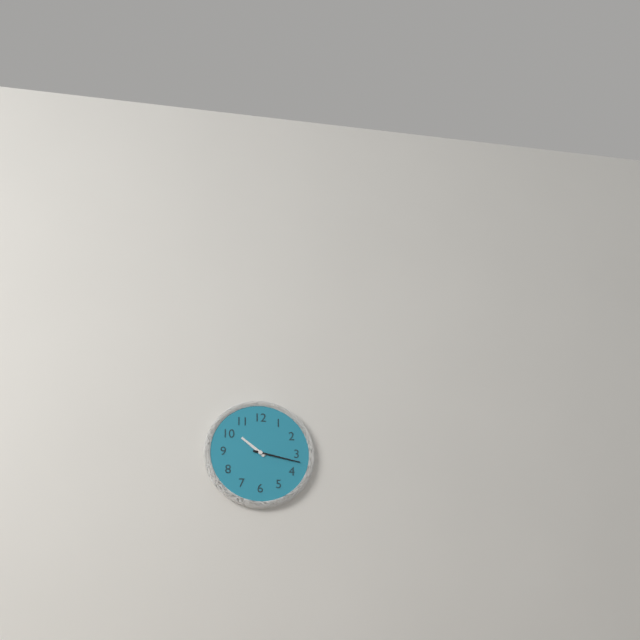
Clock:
h=10 m=17
